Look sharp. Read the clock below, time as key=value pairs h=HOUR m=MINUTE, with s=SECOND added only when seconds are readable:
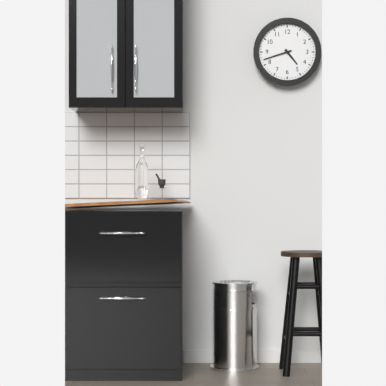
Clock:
h=4 m=42
